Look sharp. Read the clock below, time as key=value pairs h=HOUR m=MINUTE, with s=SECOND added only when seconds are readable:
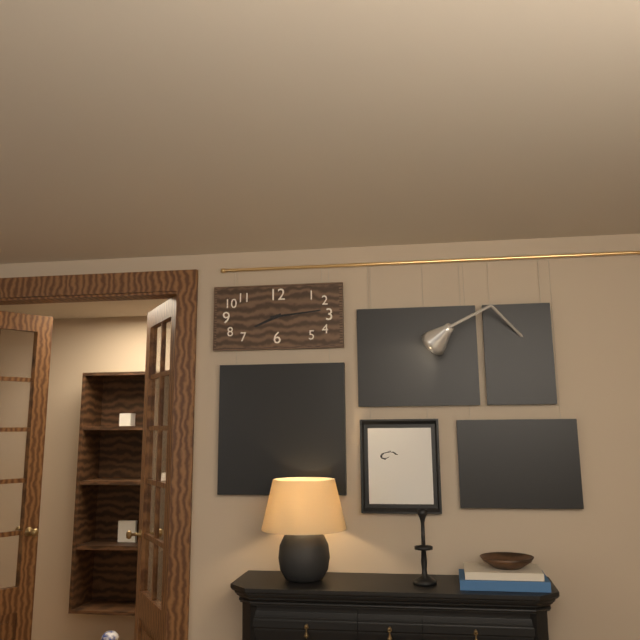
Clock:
h=8 m=14
